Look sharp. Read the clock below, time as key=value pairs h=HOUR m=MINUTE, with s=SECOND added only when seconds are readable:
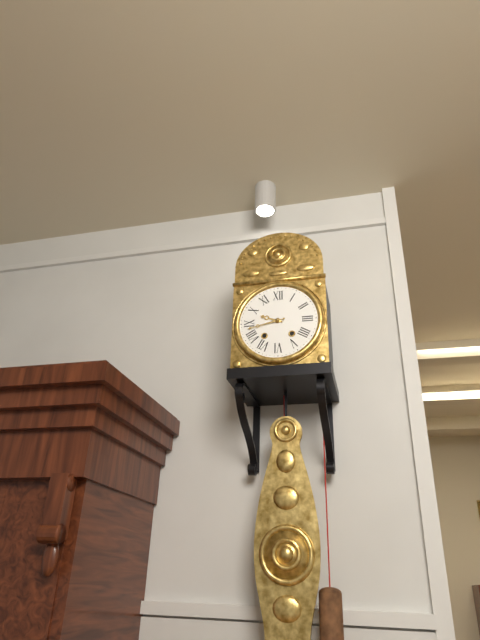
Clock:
h=9 m=43
